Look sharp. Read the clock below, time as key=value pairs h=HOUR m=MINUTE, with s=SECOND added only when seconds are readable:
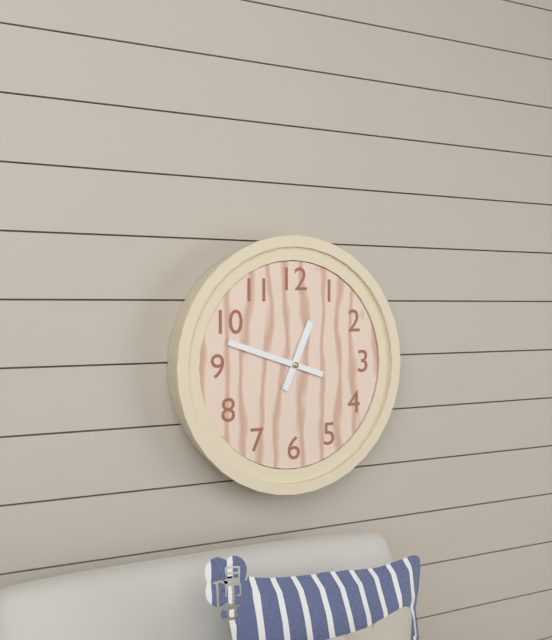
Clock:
h=12 m=48
